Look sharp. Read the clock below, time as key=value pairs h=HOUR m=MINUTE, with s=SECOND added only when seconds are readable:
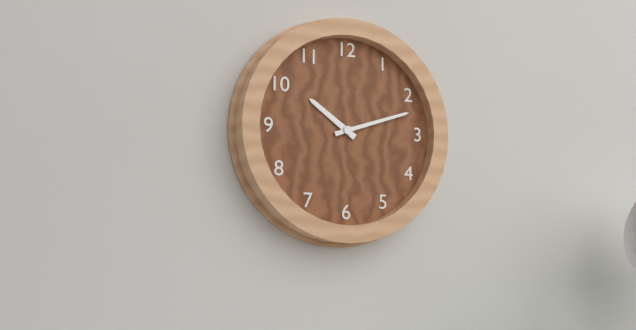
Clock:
h=10 m=12
